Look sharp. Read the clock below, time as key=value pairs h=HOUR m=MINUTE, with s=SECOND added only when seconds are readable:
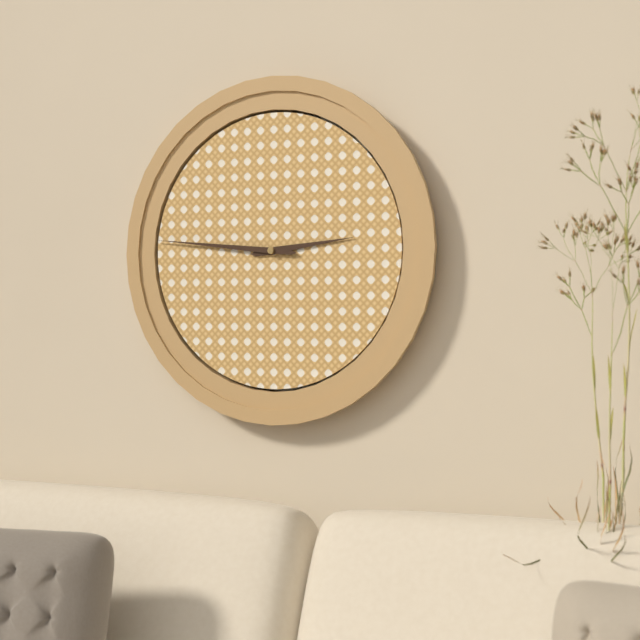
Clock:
h=2 m=46
